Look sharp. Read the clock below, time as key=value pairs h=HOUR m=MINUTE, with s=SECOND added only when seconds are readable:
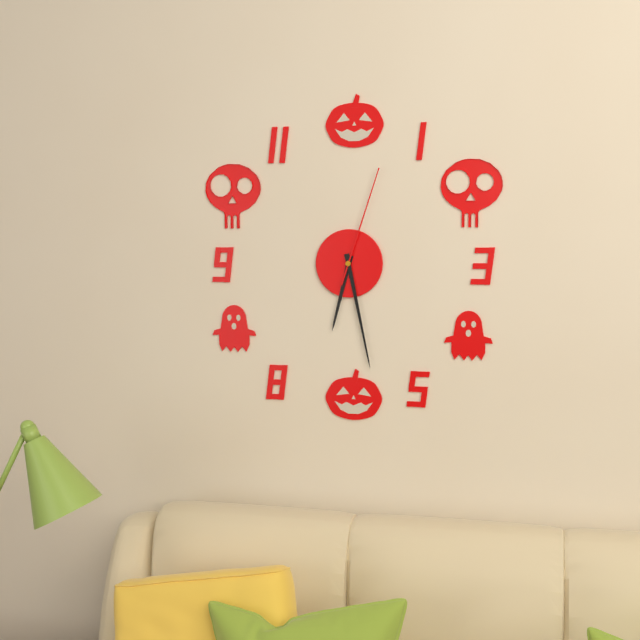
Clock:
h=6 m=28 s=3
